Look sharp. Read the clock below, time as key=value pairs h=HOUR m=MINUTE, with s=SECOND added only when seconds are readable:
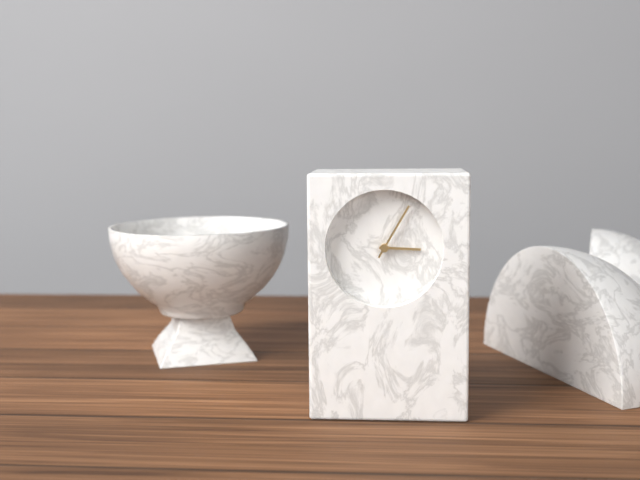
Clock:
h=3 m=5
